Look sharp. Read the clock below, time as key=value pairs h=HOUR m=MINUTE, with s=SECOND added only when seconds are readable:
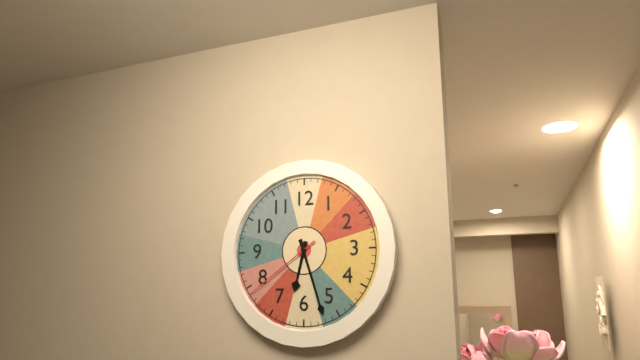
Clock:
h=6 m=27 s=39
